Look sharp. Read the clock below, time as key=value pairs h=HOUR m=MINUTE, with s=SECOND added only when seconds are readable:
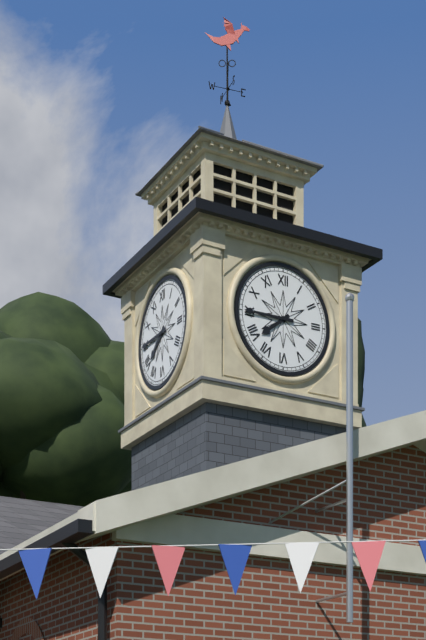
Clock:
h=7 m=45
